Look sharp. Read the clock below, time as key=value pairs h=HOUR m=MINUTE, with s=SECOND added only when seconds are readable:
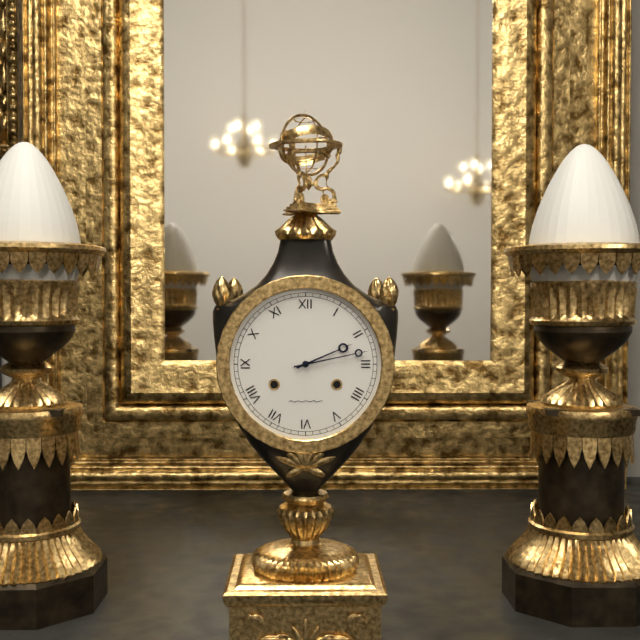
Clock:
h=2 m=13
